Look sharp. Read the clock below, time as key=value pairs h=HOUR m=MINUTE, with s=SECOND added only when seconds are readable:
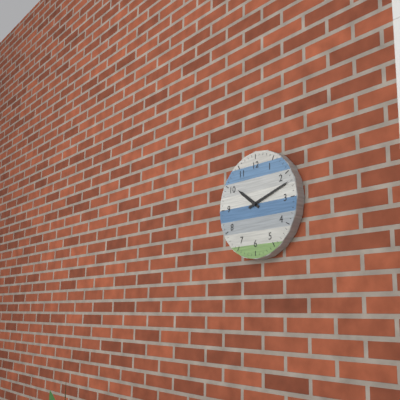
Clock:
h=10 m=12
